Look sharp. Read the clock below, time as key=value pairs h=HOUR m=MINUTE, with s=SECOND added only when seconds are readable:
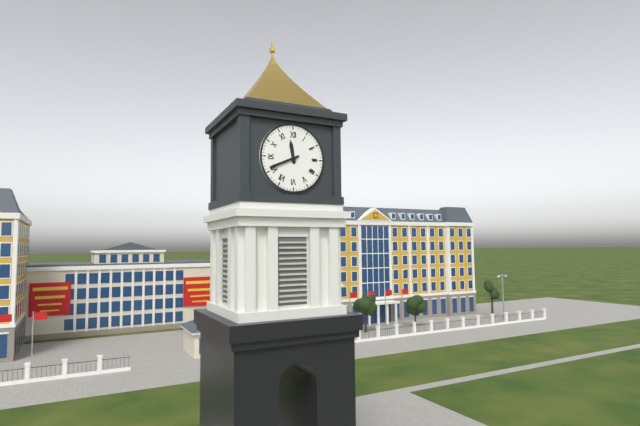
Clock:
h=11 m=41
